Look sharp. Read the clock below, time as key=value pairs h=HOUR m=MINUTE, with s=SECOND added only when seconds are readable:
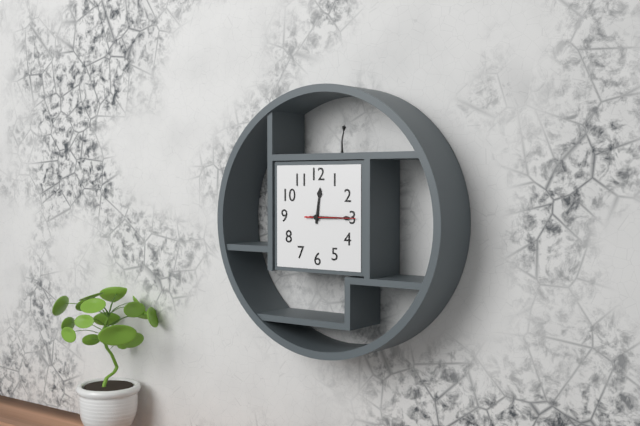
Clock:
h=12 m=15
